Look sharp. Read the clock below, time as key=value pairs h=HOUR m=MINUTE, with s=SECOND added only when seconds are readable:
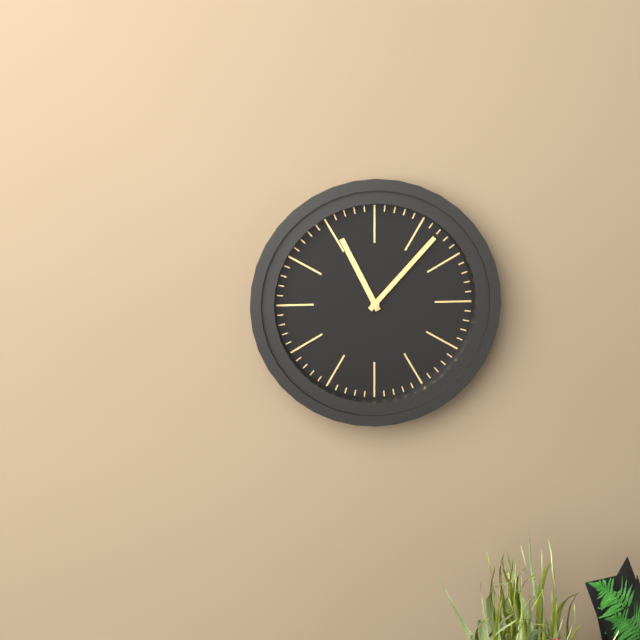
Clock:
h=11 m=7
